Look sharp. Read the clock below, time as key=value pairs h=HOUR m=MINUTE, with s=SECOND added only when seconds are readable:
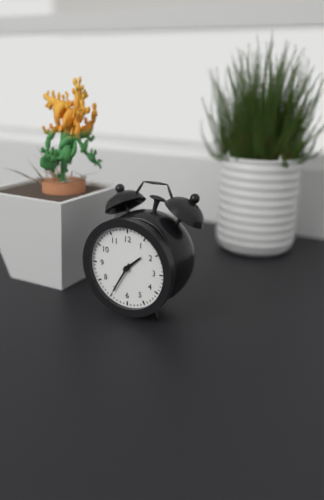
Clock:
h=1 m=35
